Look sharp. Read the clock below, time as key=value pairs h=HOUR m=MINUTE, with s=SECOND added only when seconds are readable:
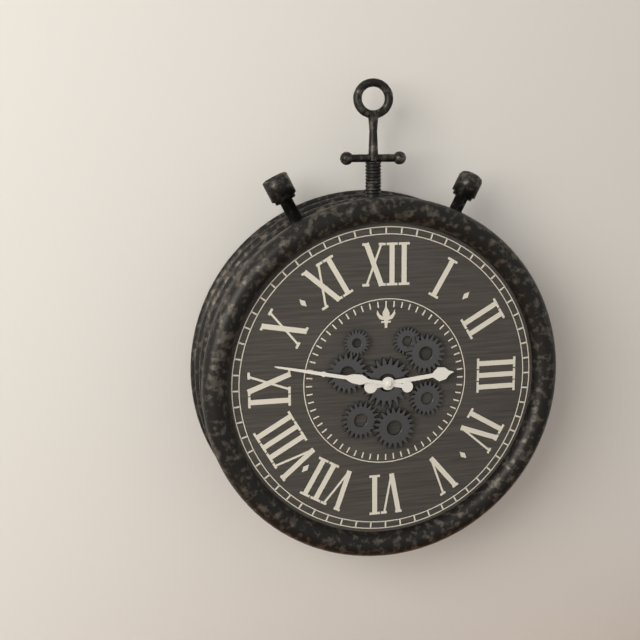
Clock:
h=2 m=47
